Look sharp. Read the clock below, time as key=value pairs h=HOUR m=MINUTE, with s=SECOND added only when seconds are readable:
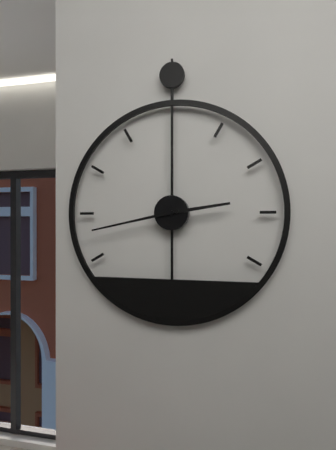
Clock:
h=2 m=43
